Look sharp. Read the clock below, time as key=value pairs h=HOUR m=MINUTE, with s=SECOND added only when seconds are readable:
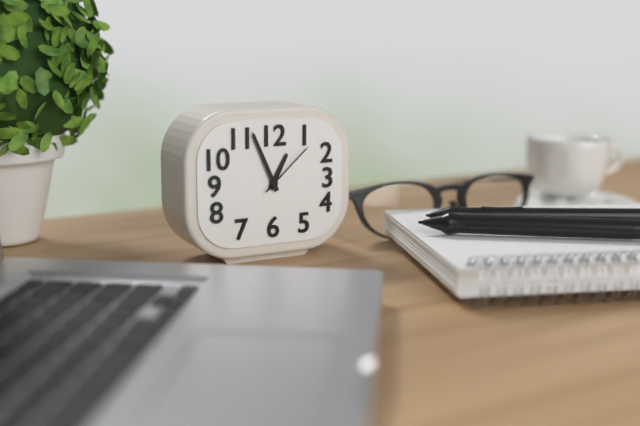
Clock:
h=12 m=56 s=8
